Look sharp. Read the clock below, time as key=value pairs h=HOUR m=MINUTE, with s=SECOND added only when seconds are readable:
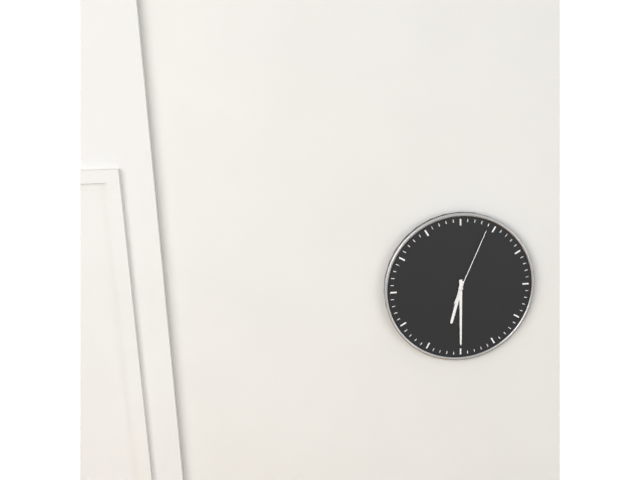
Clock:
h=6 m=30 s=4
